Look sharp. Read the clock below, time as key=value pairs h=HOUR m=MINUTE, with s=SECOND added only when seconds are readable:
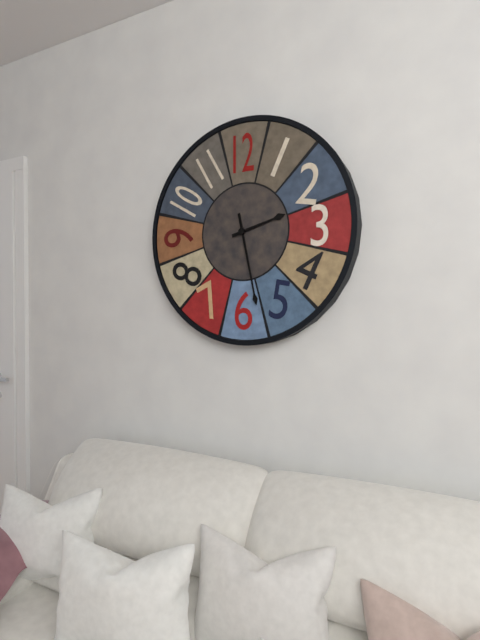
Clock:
h=2 m=28
